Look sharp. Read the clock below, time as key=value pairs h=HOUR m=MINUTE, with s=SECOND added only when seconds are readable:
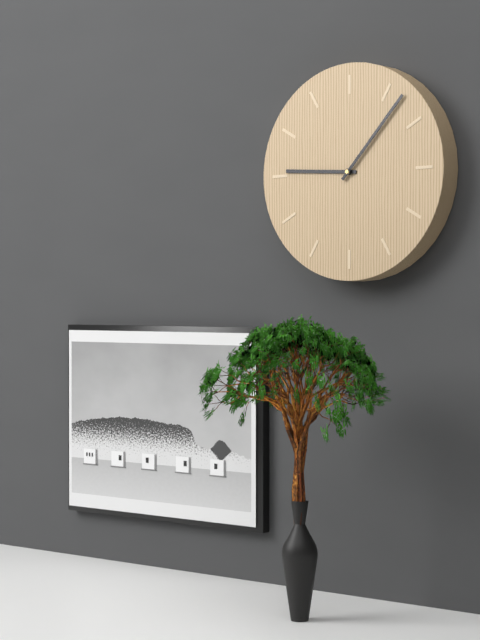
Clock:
h=9 m=7
